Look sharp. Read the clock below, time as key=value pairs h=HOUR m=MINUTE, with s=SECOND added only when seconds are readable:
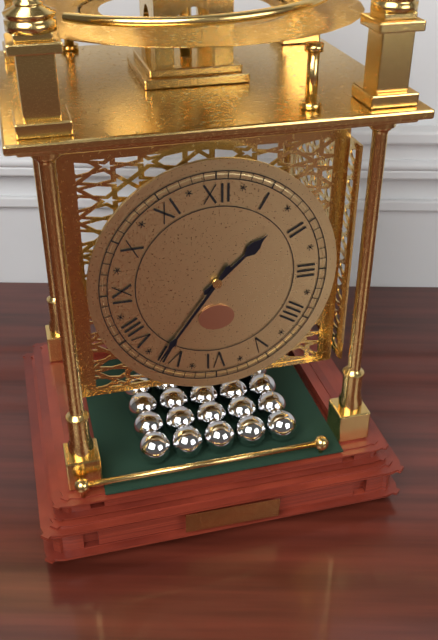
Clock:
h=1 m=36
